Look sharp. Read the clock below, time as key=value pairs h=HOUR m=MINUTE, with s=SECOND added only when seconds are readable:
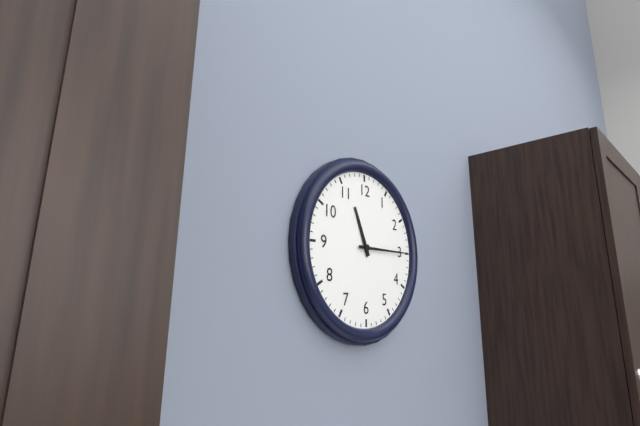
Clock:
h=11 m=15
